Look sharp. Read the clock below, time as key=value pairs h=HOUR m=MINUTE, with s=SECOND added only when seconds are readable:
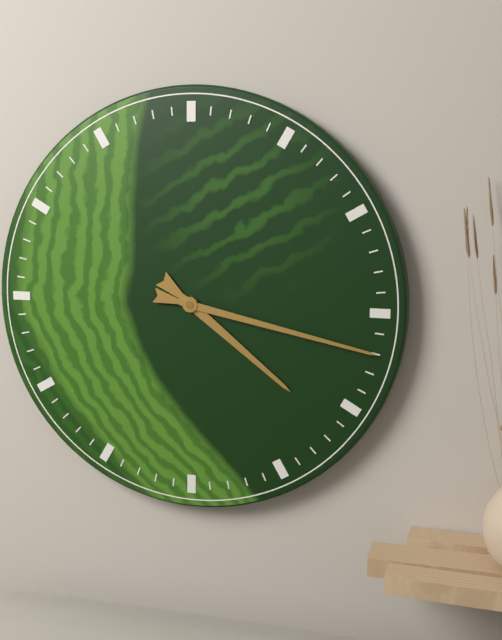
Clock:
h=4 m=17
